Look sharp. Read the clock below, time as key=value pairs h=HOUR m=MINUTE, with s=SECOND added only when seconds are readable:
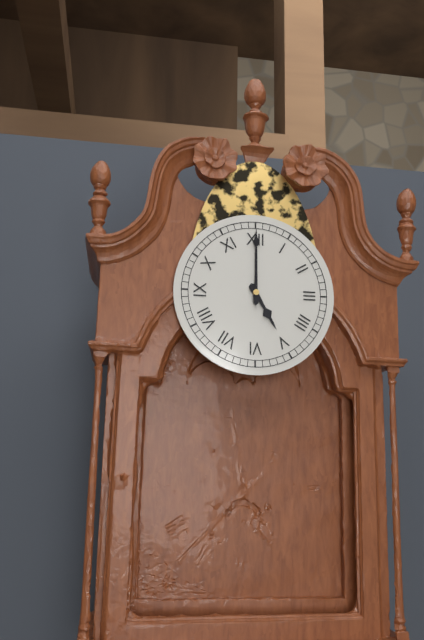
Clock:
h=5 m=0
